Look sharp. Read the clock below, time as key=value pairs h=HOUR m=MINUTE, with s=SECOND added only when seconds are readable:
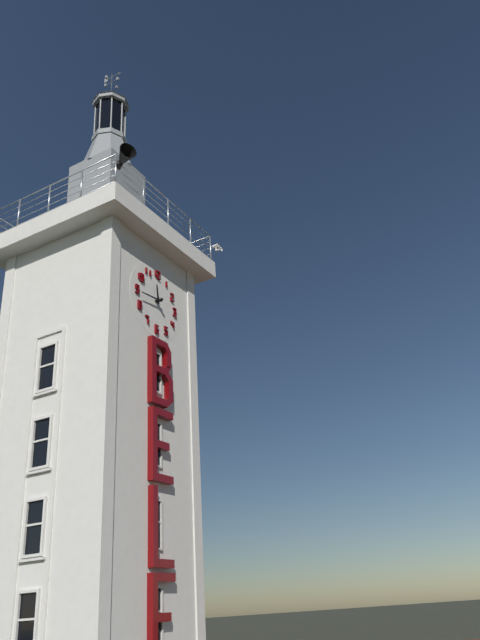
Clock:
h=11 m=44
